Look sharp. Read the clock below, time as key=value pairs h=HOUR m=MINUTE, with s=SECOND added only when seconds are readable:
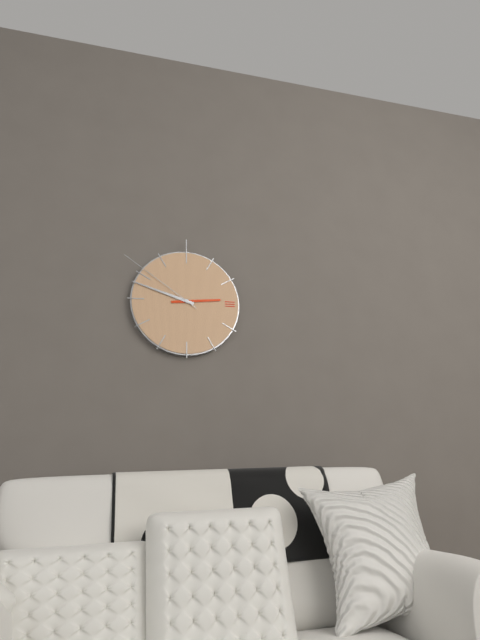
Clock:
h=2 m=48 s=51
